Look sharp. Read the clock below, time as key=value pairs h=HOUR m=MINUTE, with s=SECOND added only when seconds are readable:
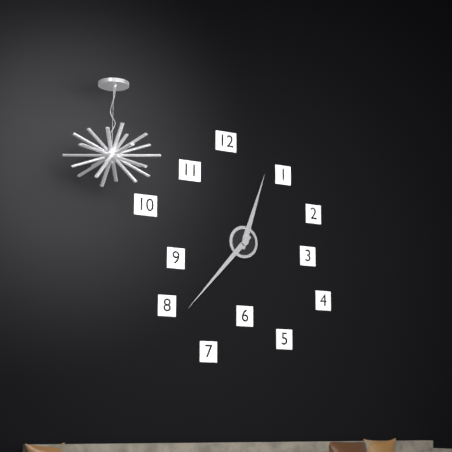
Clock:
h=12 m=37
